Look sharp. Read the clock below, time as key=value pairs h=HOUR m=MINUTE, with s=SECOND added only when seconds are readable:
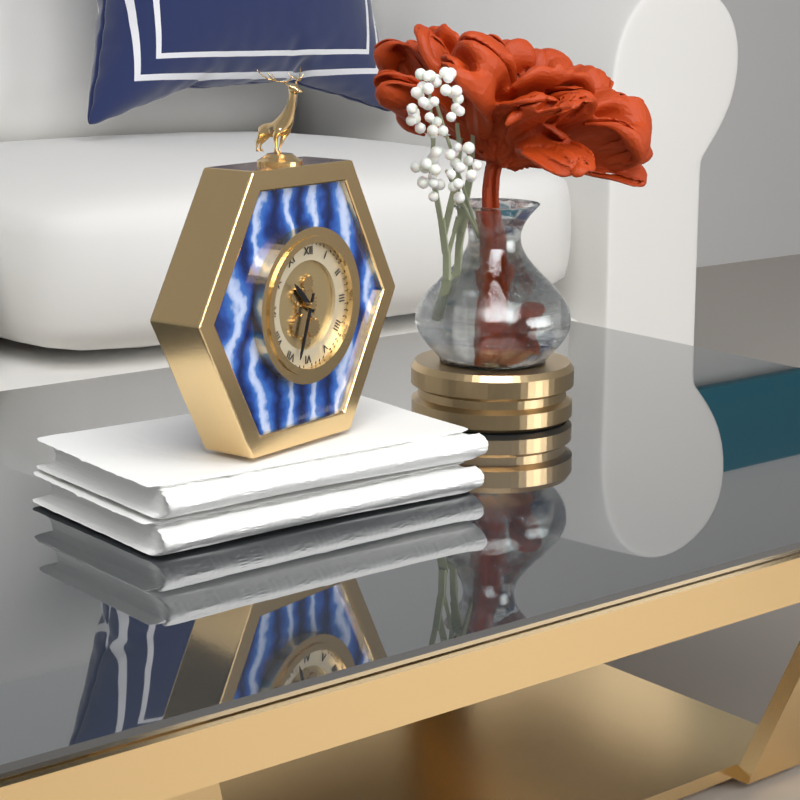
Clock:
h=10 m=33
